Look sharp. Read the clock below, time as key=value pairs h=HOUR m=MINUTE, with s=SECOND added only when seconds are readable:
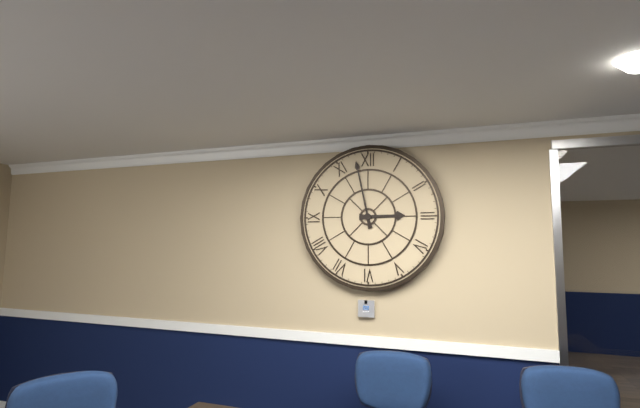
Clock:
h=2 m=58
